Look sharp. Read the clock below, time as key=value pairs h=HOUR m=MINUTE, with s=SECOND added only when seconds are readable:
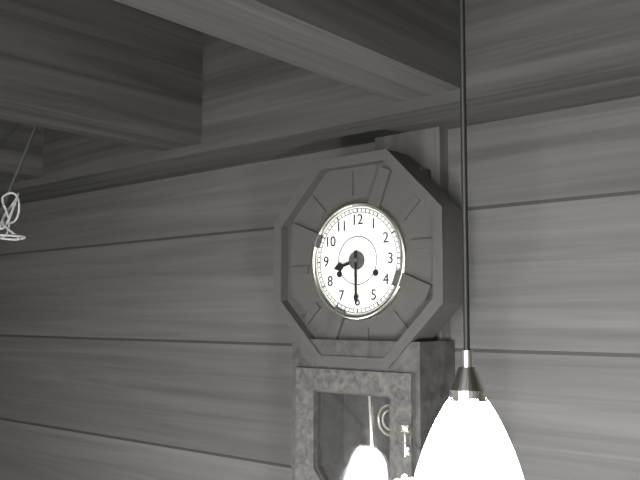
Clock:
h=8 m=30
